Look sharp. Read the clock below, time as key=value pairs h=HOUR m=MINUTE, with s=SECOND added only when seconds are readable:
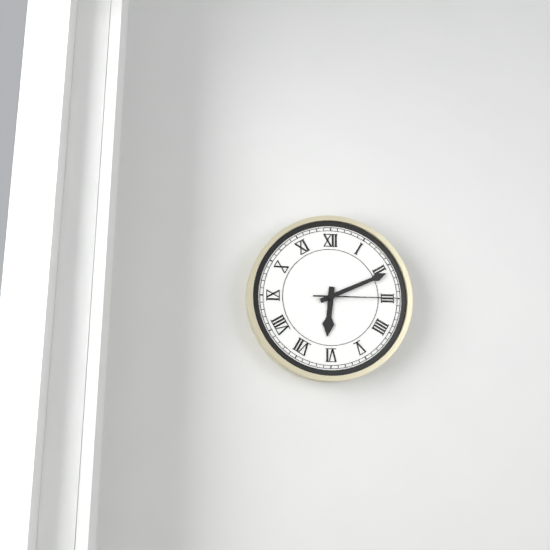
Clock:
h=6 m=11 s=15
